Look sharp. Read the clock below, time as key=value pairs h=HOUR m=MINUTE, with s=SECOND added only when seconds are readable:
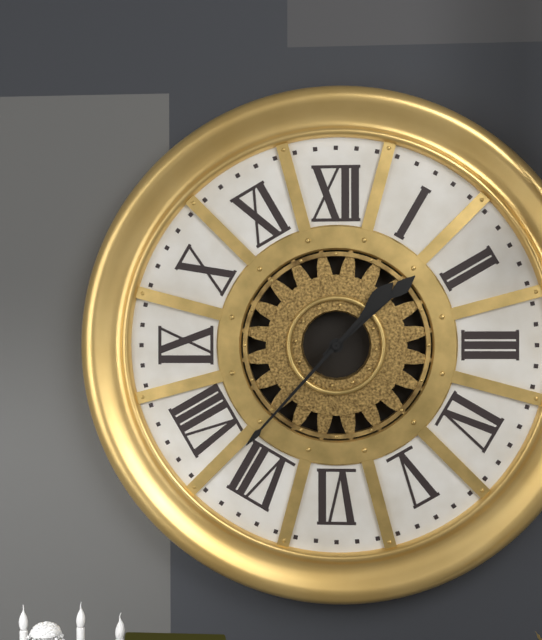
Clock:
h=1 m=37
